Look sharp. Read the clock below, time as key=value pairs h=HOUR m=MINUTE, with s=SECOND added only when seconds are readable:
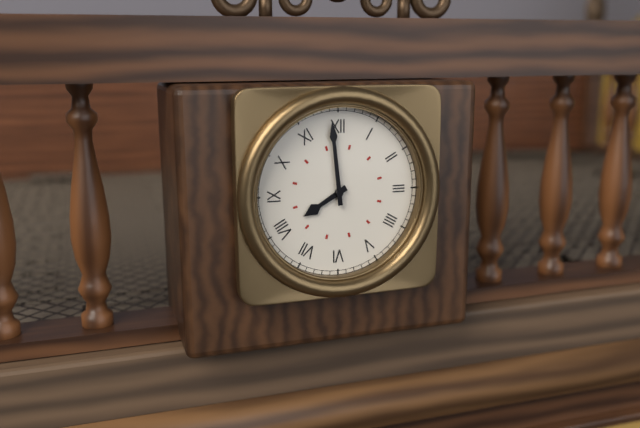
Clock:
h=7 m=59
